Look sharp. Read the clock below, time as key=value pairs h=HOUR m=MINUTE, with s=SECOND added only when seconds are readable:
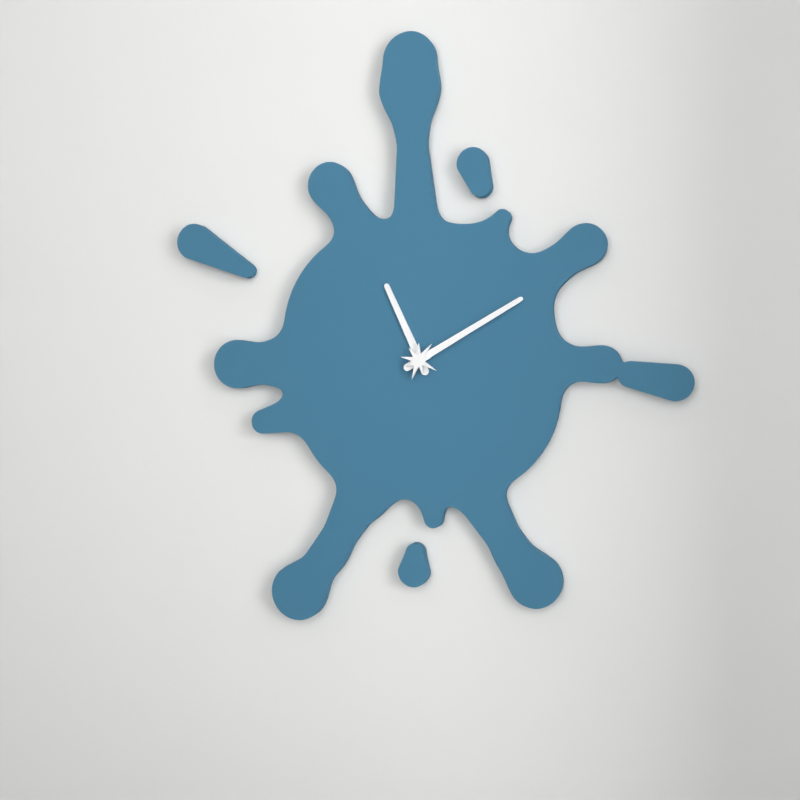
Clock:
h=11 m=10
